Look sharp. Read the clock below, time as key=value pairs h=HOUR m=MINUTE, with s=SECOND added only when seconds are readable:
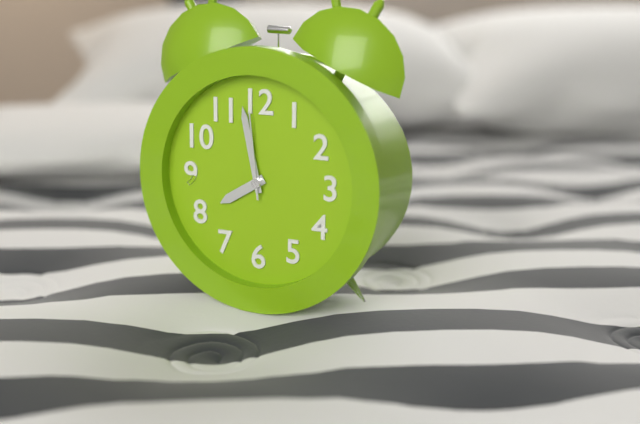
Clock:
h=7 m=58 s=59
